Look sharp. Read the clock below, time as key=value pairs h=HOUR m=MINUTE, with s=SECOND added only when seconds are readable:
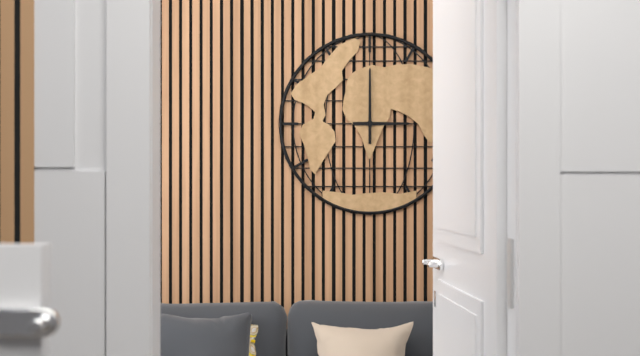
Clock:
h=3 m=0
